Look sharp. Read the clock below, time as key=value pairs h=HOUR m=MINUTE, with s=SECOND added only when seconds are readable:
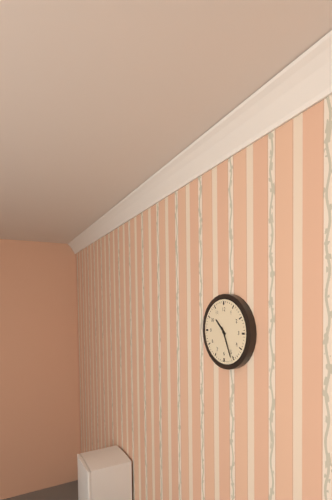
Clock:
h=10 m=26
